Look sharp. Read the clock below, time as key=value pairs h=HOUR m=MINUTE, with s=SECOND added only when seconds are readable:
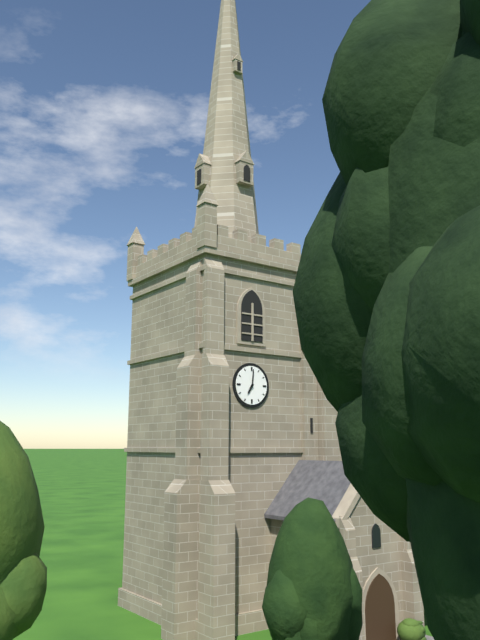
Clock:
h=7 m=1
